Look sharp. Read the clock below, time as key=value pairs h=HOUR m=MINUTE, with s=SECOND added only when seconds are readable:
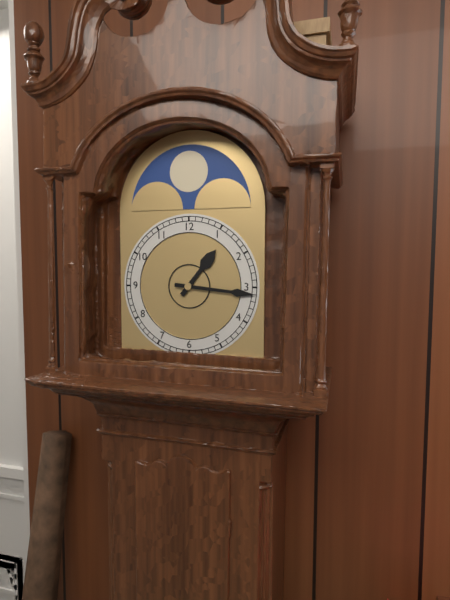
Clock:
h=1 m=16
